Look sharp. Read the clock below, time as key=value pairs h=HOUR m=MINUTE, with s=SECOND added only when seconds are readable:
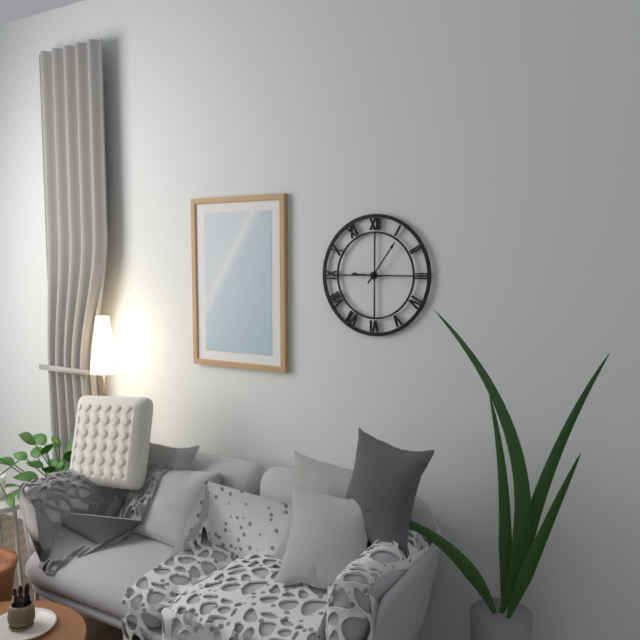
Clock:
h=9 m=6
